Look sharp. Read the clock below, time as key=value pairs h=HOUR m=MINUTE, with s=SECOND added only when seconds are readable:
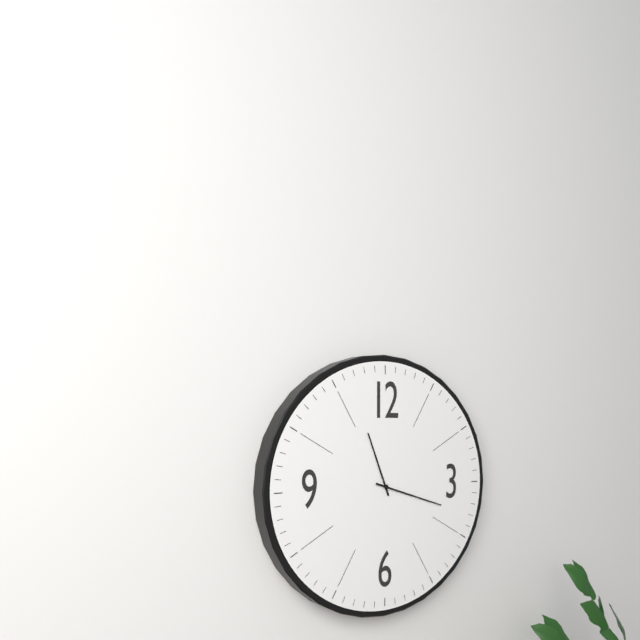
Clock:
h=11 m=18
